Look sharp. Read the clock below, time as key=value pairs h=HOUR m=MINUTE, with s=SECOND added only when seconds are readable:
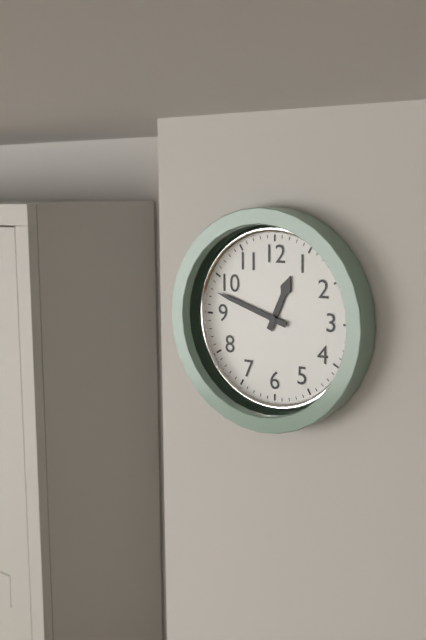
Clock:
h=12 m=48
